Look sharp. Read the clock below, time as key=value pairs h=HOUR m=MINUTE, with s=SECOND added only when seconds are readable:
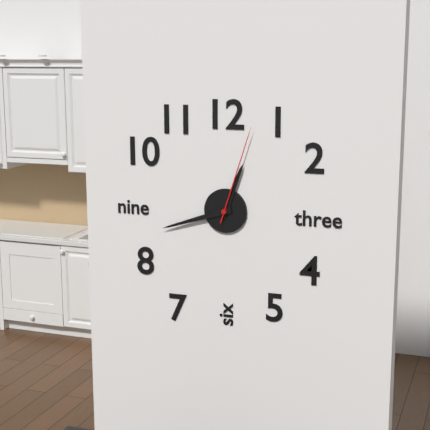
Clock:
h=12 m=42 s=3
